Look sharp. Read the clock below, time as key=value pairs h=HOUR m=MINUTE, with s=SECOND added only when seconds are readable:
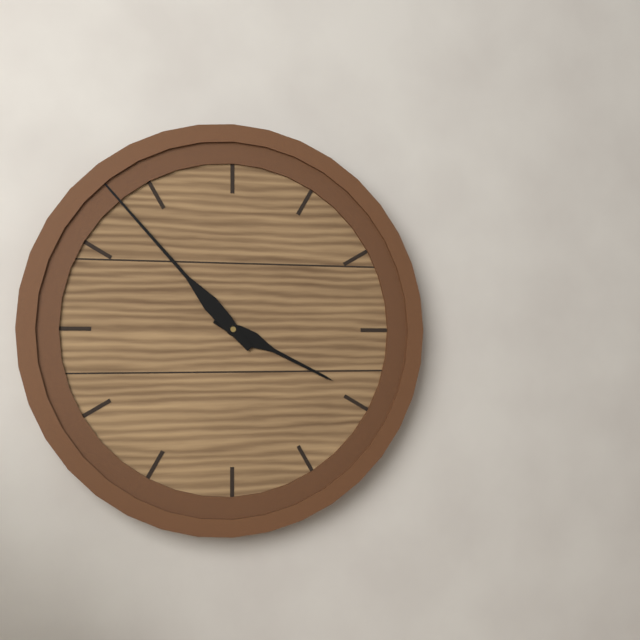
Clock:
h=3 m=53
